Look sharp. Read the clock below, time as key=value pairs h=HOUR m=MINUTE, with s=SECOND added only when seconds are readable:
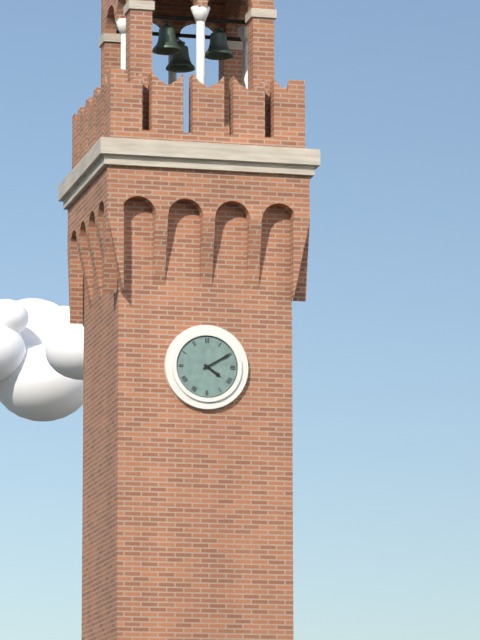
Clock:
h=4 m=10
